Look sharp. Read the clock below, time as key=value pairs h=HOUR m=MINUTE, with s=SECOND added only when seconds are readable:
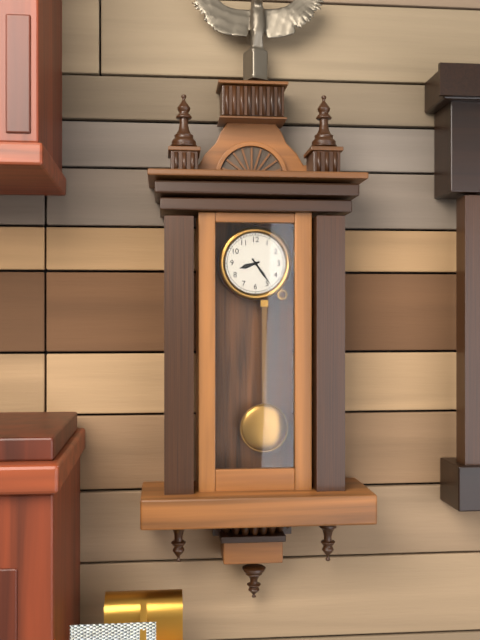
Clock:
h=8 m=24
